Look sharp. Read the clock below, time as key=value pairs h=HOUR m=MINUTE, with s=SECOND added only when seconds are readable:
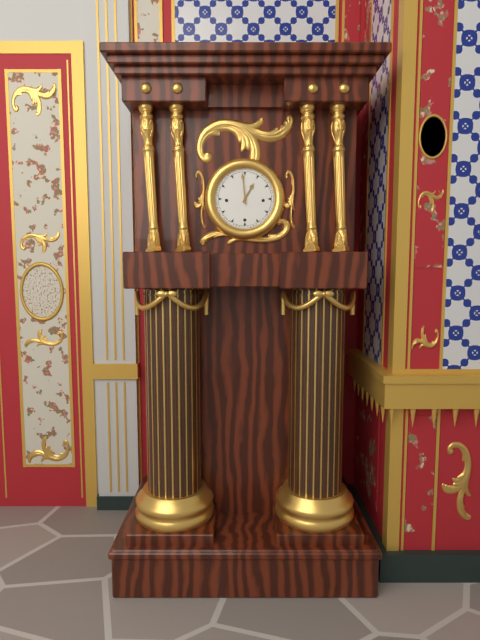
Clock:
h=12 m=59
